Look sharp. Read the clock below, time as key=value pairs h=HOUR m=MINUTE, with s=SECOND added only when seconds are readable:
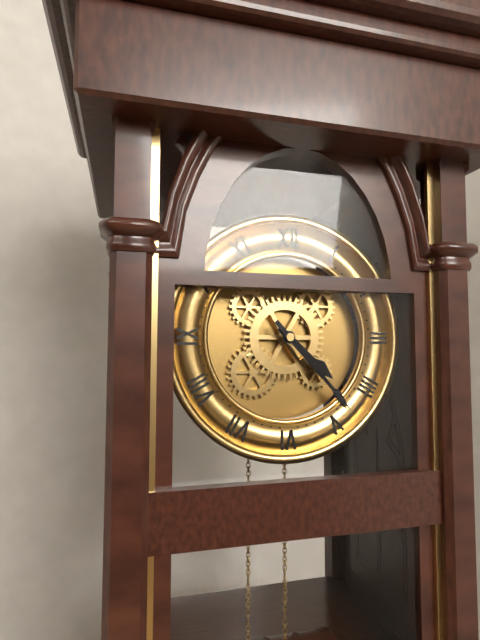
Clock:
h=4 m=23
